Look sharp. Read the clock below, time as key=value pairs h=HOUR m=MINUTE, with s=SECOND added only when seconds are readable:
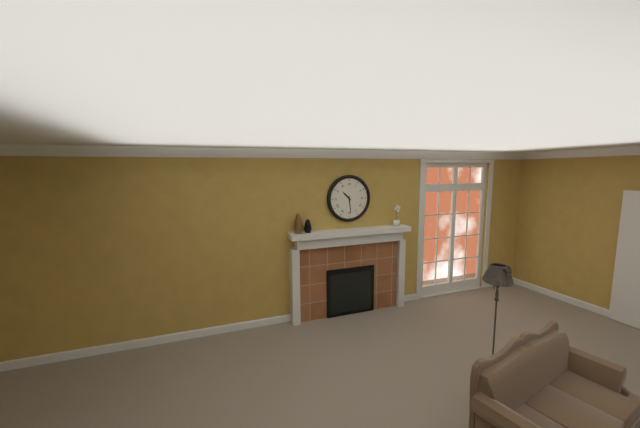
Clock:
h=10 m=29
